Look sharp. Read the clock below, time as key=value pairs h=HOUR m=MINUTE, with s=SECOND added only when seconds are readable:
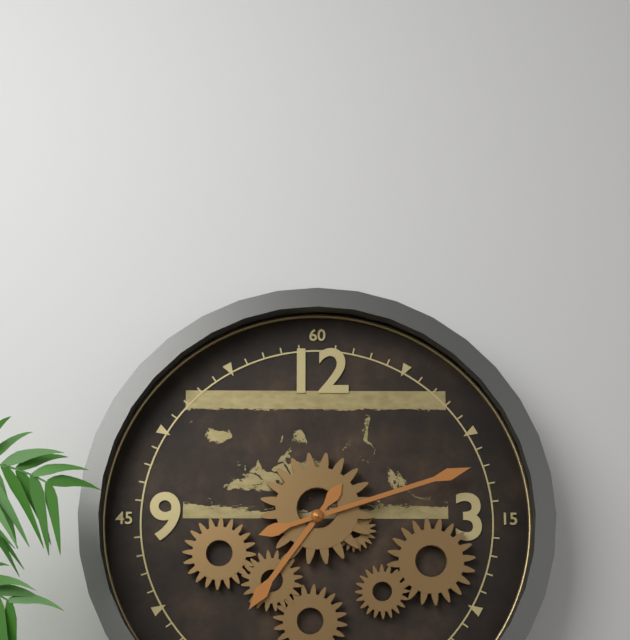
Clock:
h=7 m=12
